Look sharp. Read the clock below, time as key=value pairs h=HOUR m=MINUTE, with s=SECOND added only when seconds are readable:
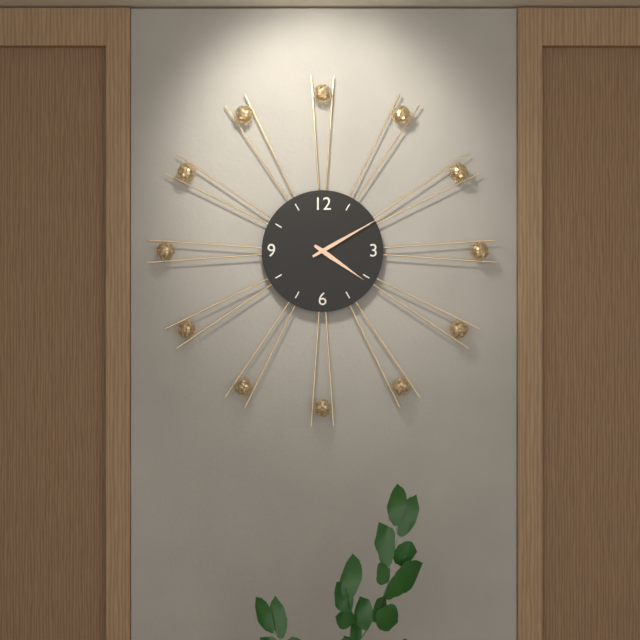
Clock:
h=4 m=10
